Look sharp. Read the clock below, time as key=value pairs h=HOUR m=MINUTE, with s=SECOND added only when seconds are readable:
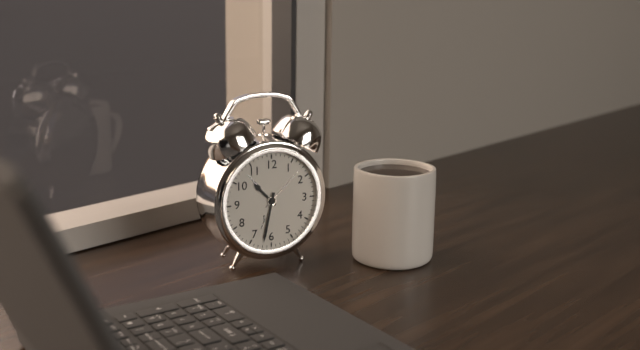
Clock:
h=10 m=32
